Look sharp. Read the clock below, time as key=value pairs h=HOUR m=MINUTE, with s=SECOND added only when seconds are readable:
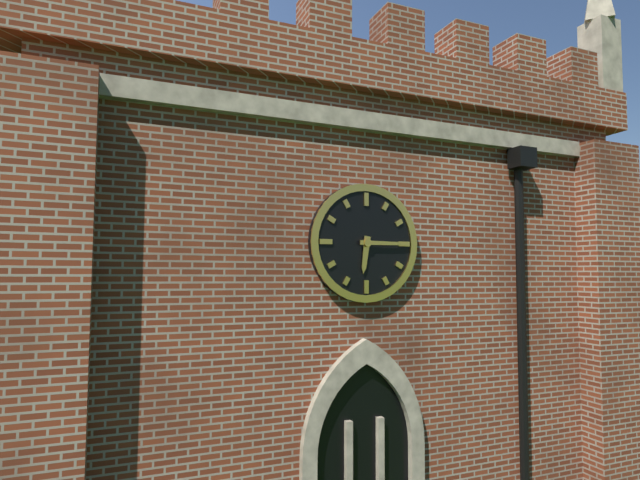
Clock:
h=6 m=15
